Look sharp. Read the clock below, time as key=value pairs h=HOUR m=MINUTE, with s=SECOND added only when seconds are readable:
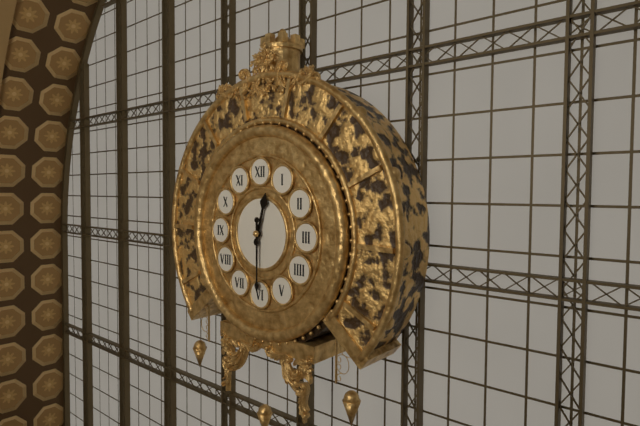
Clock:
h=12 m=30
